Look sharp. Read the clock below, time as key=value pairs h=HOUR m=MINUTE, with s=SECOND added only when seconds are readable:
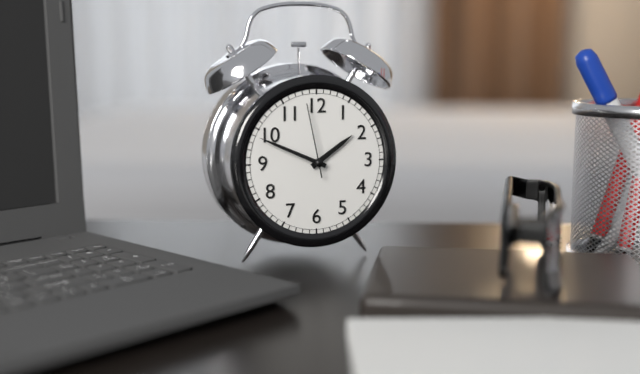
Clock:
h=1 m=49 s=58
